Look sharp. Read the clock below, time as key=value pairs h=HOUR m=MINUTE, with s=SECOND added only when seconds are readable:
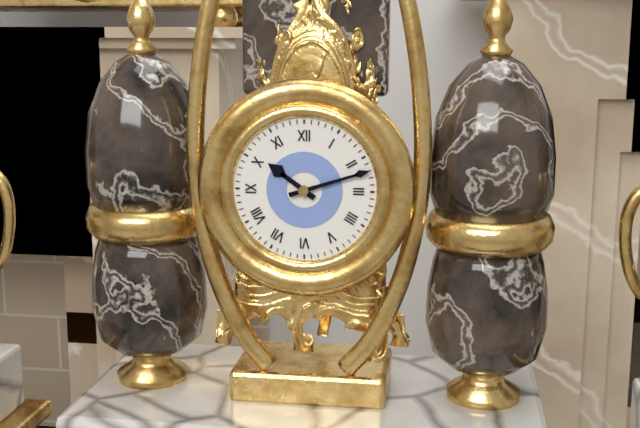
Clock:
h=10 m=12
